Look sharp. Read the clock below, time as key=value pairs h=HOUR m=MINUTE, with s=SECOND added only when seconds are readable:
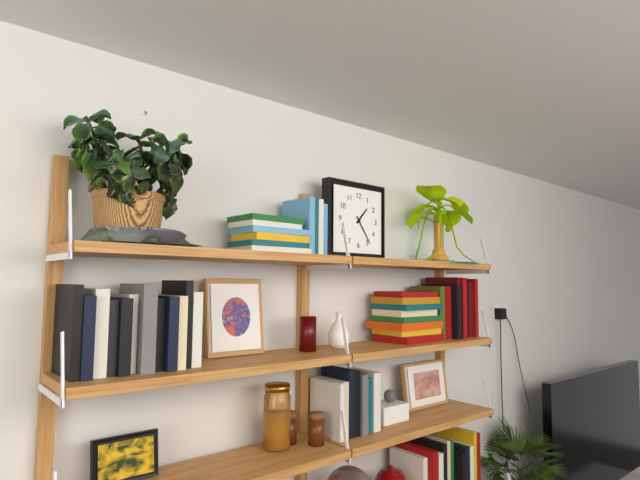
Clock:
h=1 m=24
